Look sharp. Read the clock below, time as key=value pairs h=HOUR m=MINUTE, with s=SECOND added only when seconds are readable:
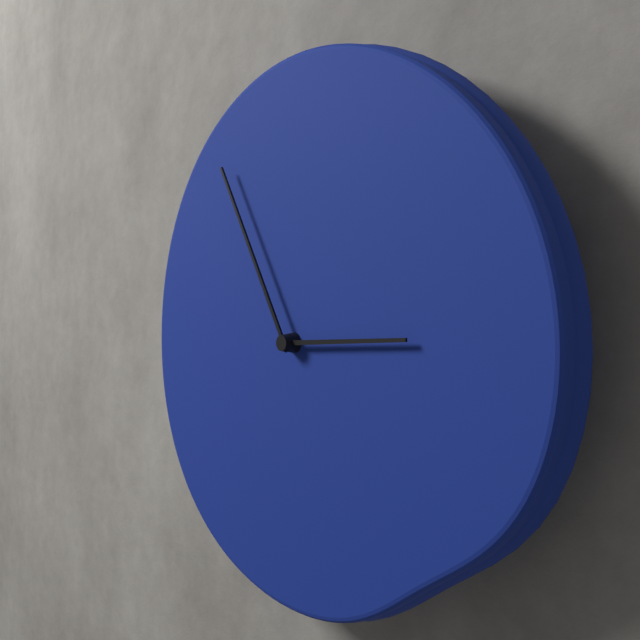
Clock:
h=2 m=55
